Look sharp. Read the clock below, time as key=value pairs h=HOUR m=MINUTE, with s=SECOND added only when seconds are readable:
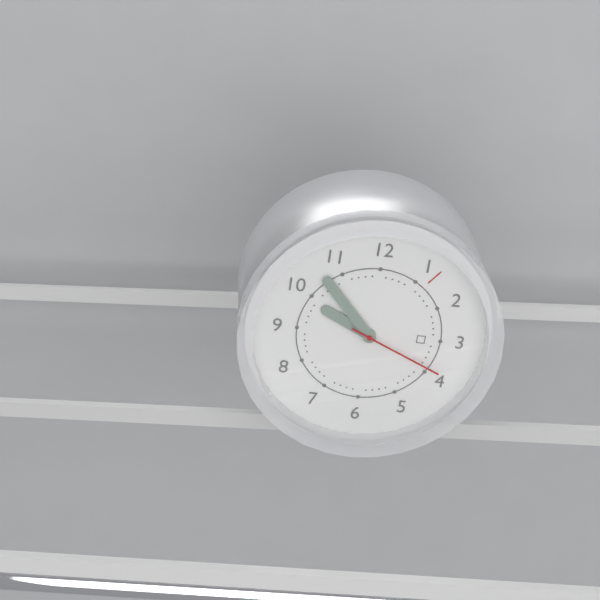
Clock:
h=9 m=53 s=19
